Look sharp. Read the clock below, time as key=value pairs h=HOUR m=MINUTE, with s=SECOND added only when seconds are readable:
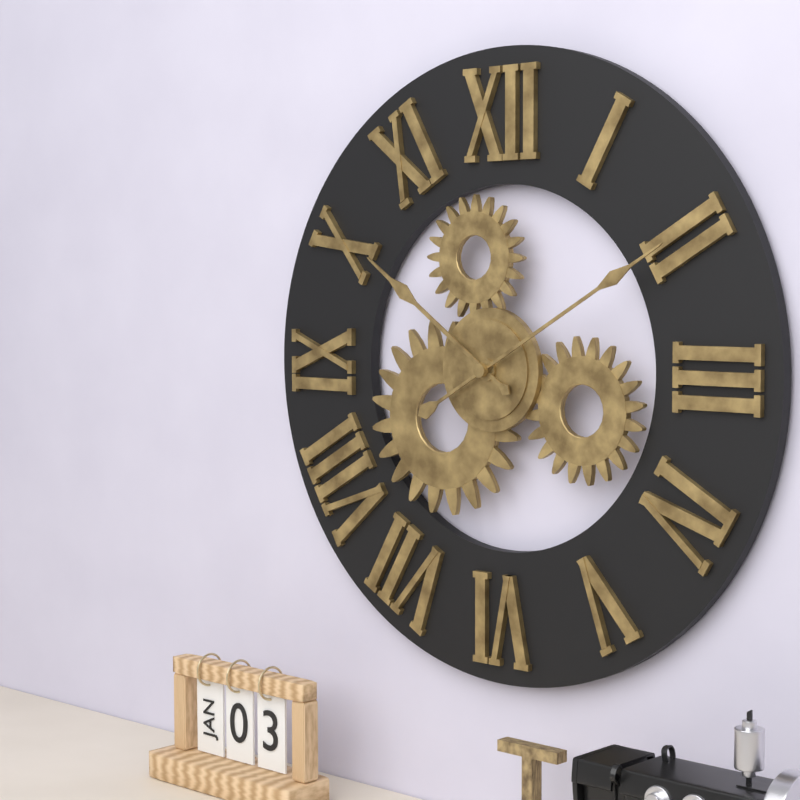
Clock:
h=10 m=10
